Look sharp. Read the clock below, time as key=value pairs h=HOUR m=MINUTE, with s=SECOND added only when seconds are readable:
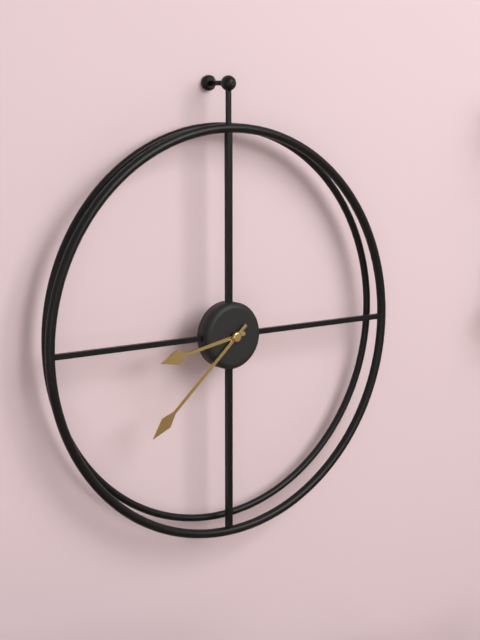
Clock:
h=8 m=38
